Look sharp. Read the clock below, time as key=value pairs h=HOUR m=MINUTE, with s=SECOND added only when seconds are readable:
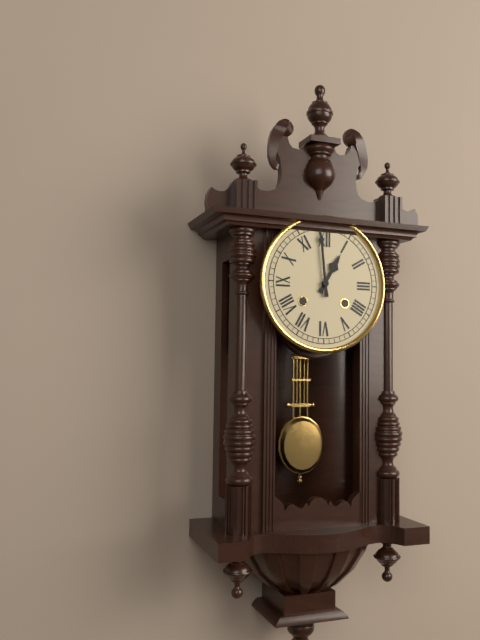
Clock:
h=12 m=59
